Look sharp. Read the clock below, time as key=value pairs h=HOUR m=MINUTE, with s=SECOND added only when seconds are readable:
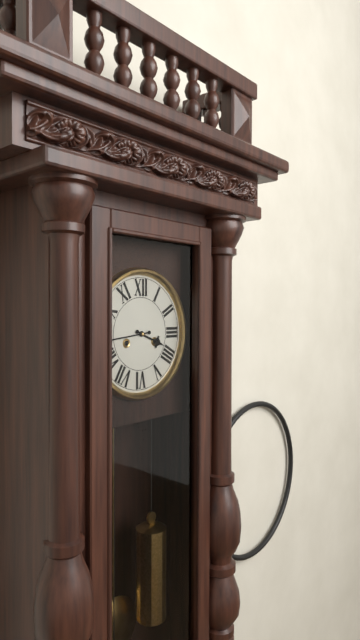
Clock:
h=3 m=44
